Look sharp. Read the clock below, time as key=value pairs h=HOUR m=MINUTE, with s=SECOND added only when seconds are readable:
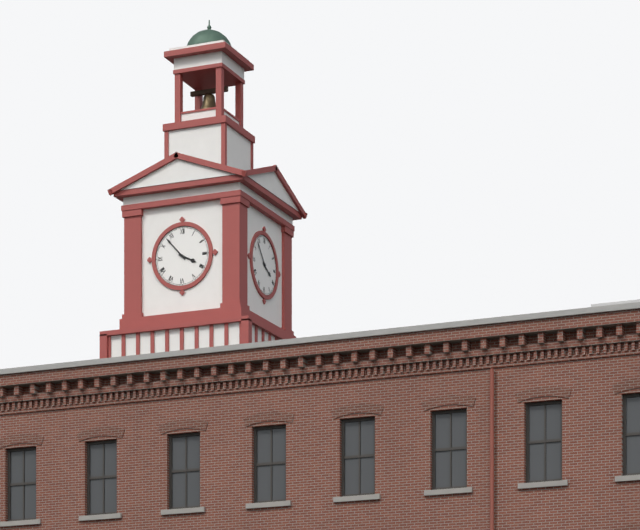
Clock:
h=3 m=53
